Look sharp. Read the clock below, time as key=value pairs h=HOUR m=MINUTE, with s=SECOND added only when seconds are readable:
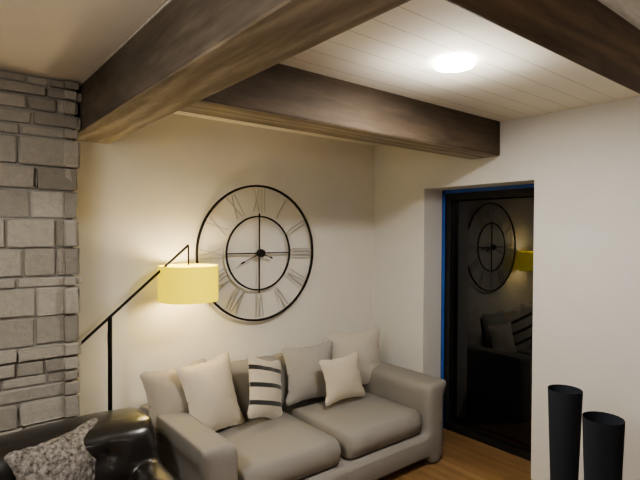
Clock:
h=3 m=41
